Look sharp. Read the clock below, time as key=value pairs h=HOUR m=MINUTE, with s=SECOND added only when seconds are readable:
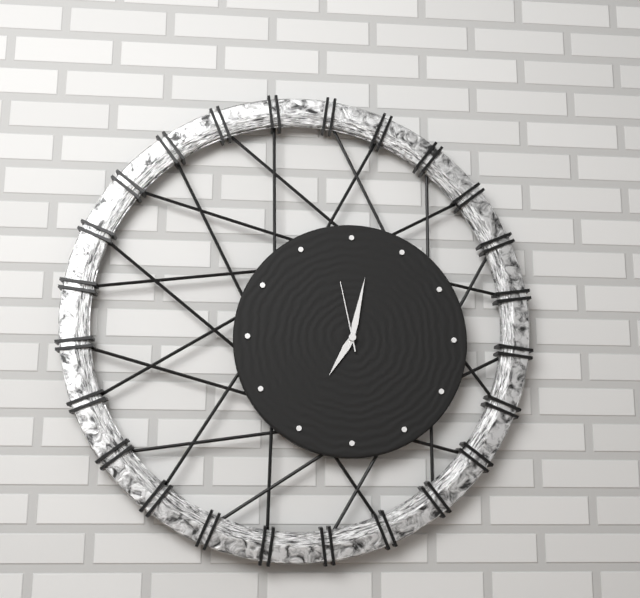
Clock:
h=7 m=2 s=58
